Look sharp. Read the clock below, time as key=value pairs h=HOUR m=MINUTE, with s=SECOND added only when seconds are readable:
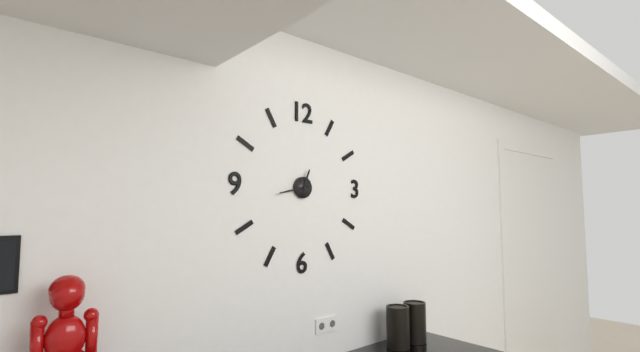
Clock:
h=12 m=43
